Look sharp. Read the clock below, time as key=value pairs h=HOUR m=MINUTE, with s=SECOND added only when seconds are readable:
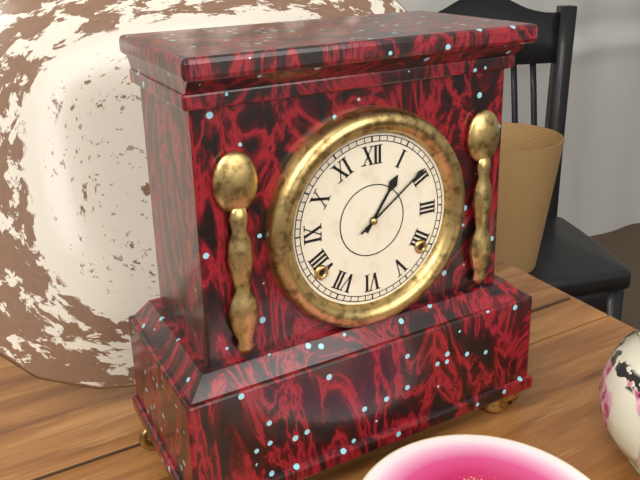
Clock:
h=1 m=9
